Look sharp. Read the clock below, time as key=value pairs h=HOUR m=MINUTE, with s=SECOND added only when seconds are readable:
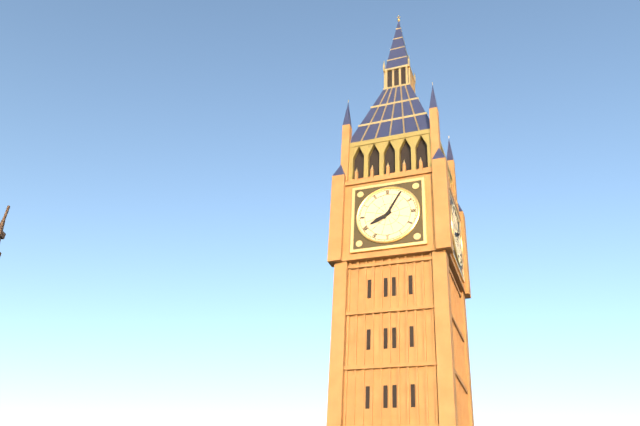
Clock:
h=8 m=5
